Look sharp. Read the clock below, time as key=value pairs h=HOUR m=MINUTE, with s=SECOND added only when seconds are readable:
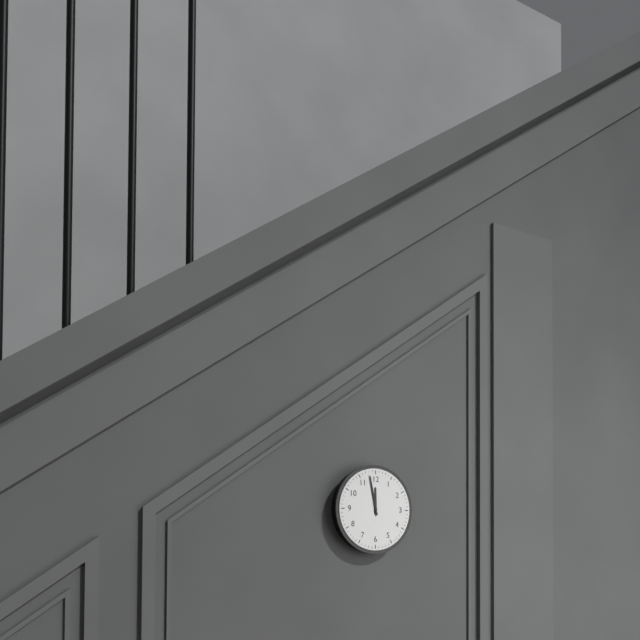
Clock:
h=11 m=58
